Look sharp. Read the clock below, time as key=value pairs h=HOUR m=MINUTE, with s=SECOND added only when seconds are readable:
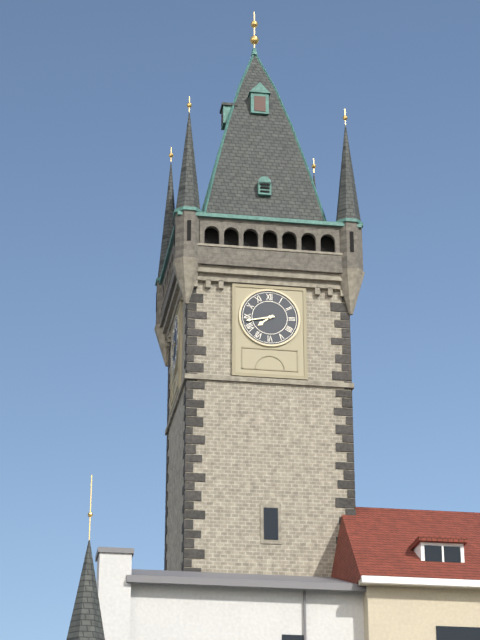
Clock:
h=7 m=43
